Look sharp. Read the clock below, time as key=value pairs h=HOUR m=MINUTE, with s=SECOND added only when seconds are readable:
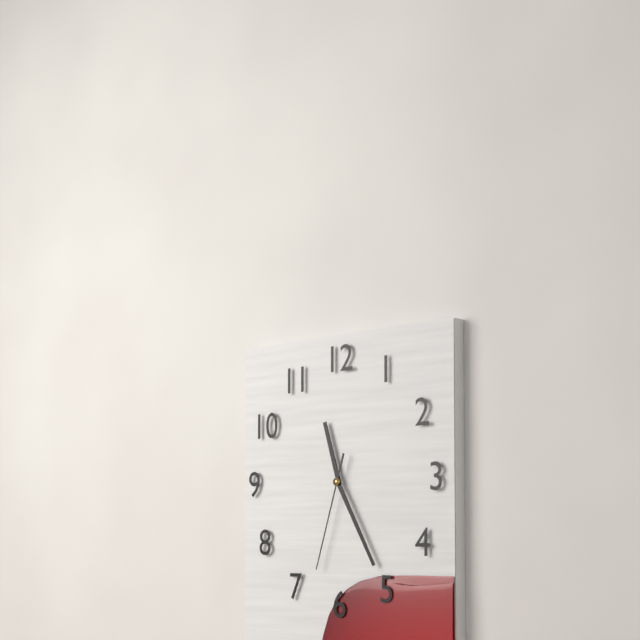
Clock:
h=11 m=25 s=33
